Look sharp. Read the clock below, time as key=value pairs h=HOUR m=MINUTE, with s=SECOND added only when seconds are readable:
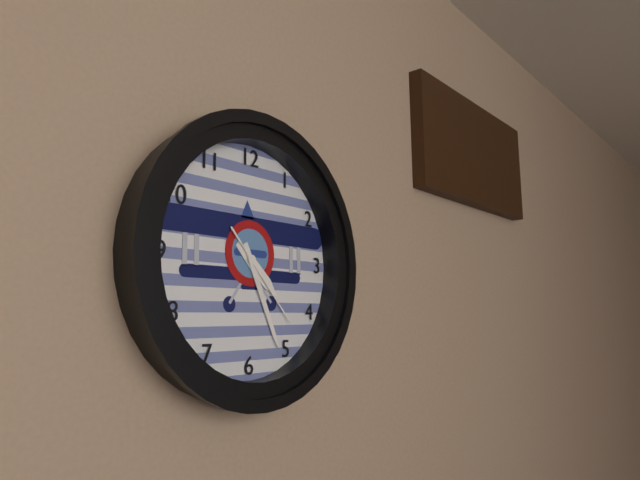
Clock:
h=4 m=26 s=23
